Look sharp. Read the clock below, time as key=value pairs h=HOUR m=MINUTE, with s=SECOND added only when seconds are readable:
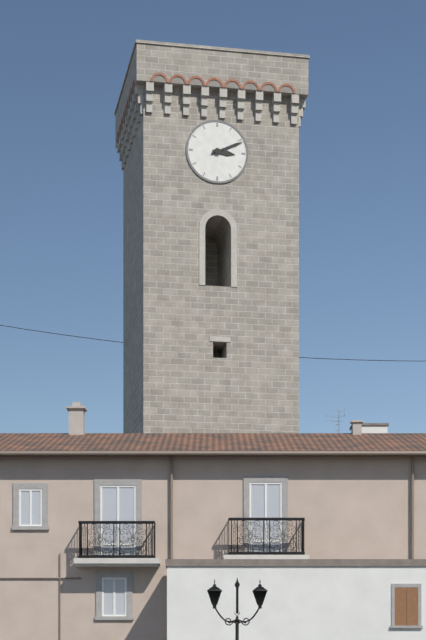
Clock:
h=3 m=11
